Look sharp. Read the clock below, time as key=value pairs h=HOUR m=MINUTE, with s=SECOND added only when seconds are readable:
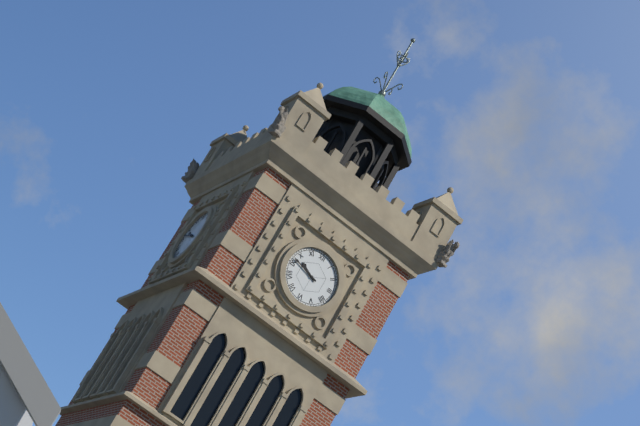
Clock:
h=9 m=47
